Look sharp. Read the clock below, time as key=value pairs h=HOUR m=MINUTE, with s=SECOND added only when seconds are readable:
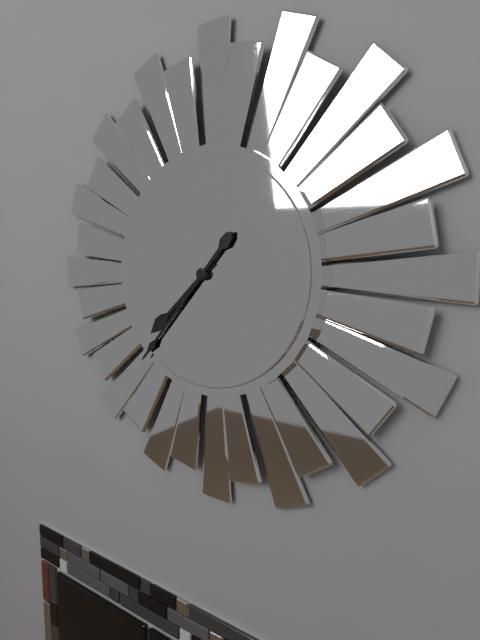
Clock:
h=7 m=37
